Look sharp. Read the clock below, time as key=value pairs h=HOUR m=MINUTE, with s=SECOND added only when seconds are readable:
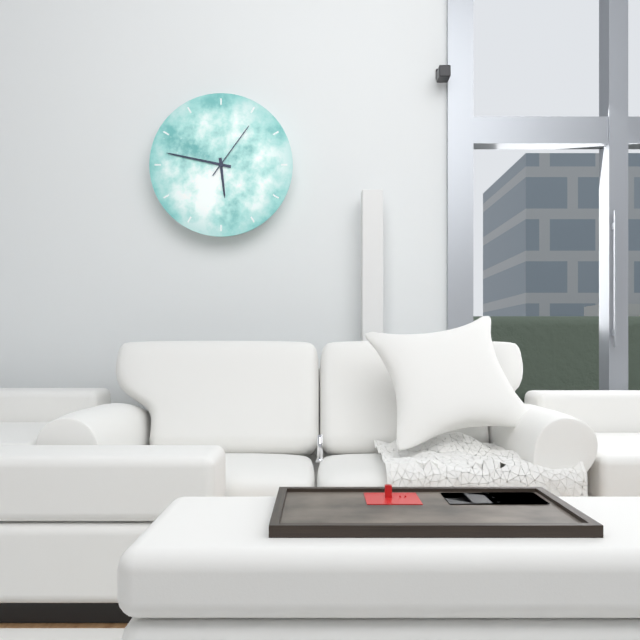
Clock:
h=5 m=47 s=6
